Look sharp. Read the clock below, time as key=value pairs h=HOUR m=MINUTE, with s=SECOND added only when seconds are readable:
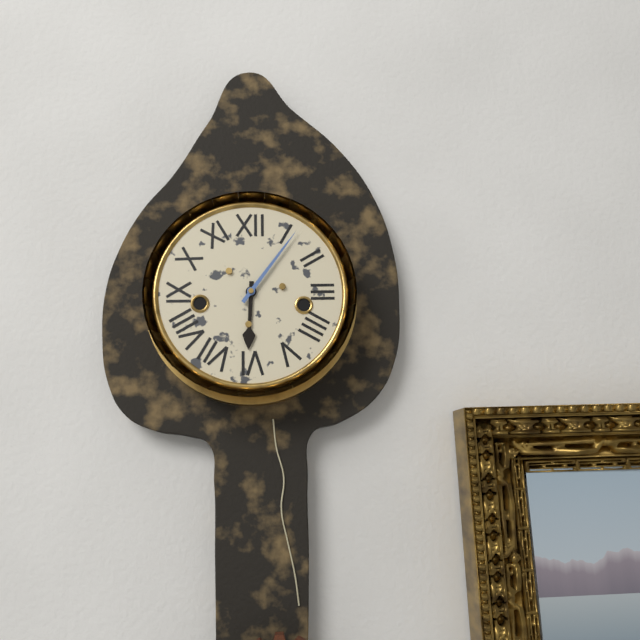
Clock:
h=6 m=6
